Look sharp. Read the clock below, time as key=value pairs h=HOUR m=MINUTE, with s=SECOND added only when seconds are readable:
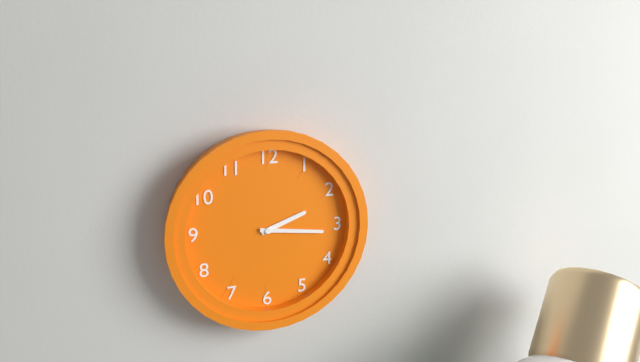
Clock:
h=2 m=16
